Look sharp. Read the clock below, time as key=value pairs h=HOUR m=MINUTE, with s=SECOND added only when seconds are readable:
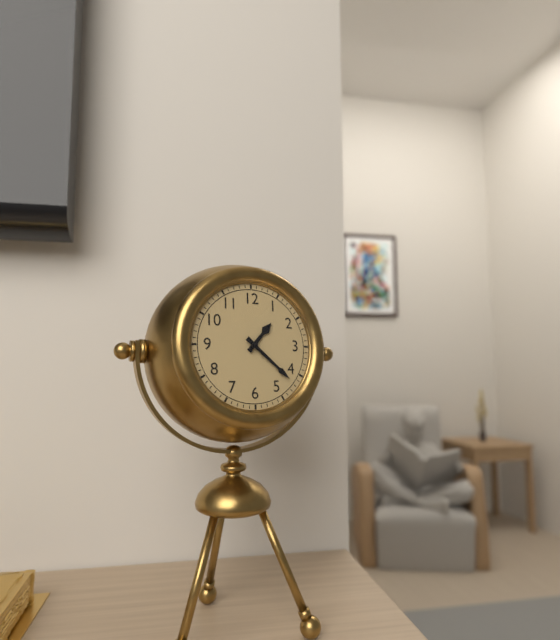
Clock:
h=1 m=22
